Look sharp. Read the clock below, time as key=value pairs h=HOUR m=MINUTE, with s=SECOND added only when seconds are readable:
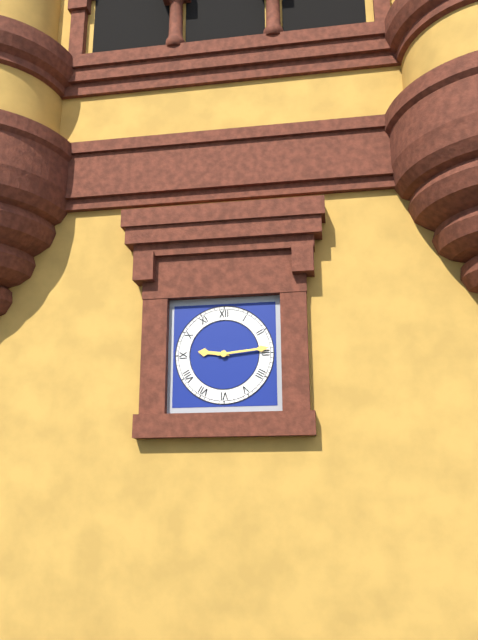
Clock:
h=9 m=14
